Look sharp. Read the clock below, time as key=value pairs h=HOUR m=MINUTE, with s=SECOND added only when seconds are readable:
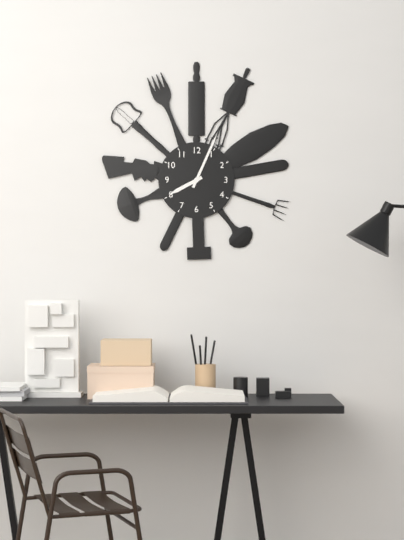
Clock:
h=8 m=4
